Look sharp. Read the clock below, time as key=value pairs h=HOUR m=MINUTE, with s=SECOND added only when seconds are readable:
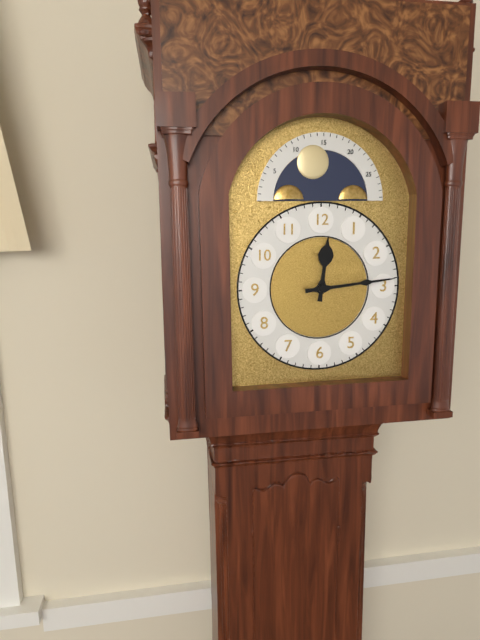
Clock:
h=12 m=14
